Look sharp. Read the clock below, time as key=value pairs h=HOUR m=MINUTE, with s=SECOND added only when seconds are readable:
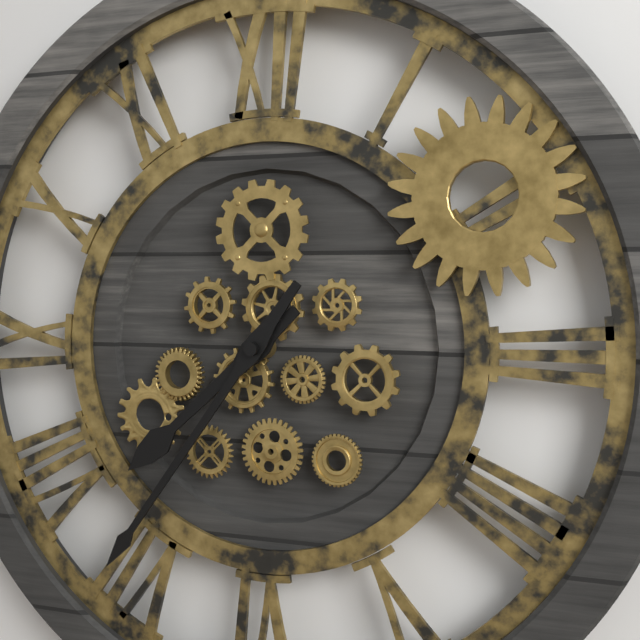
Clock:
h=7 m=36
